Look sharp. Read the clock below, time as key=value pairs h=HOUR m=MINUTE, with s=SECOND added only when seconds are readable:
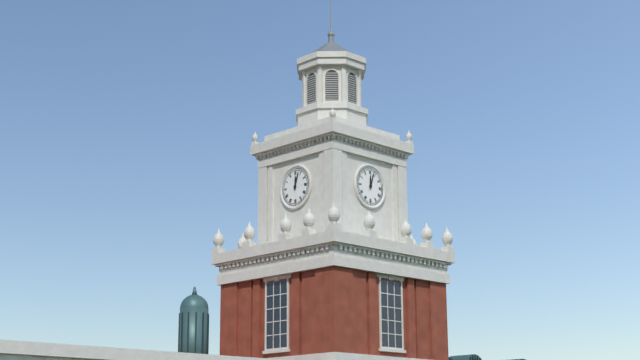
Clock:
h=12 m=3
